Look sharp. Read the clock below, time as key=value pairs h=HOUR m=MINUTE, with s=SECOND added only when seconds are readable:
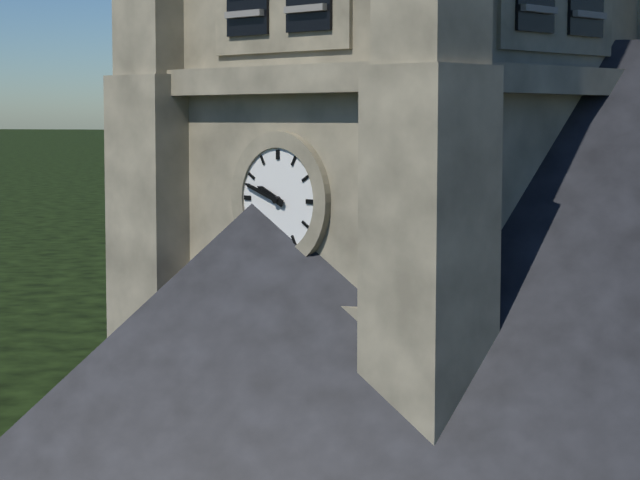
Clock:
h=9 m=48
